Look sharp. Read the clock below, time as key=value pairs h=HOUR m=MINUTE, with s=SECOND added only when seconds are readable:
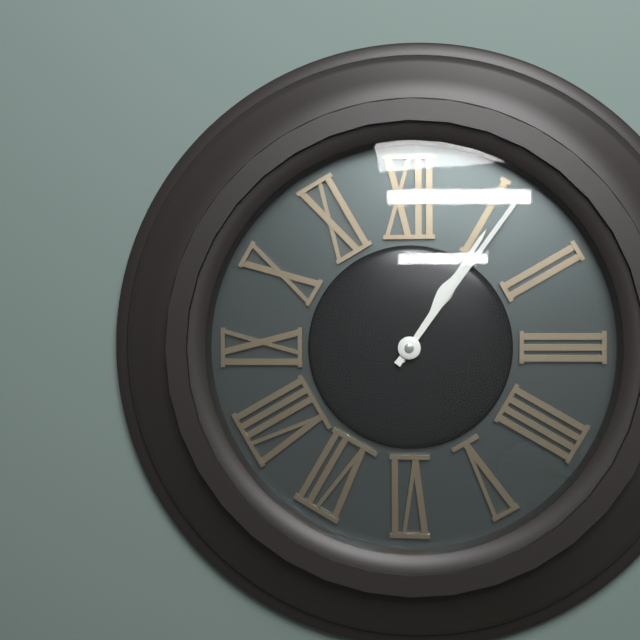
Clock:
h=1 m=6
